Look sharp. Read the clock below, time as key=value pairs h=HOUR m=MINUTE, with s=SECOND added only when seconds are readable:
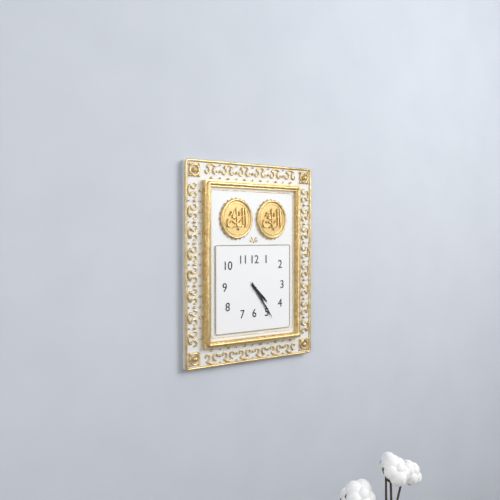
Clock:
h=4 m=24
